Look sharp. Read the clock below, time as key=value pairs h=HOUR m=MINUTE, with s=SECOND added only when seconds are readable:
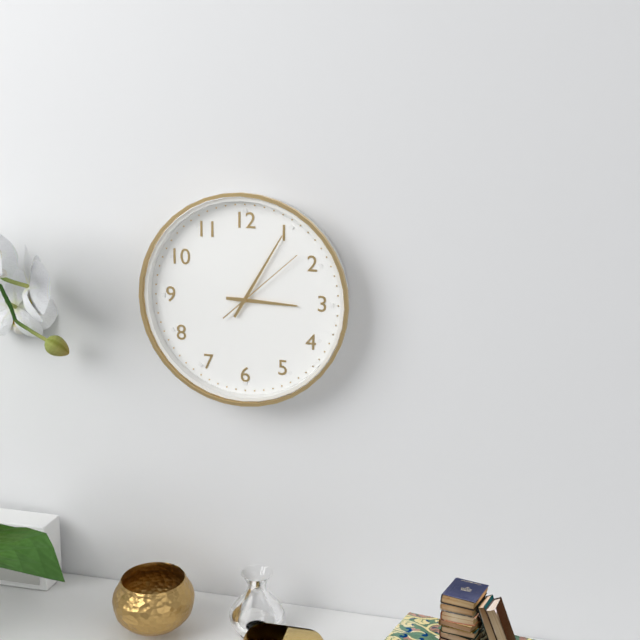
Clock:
h=3 m=5 s=8
